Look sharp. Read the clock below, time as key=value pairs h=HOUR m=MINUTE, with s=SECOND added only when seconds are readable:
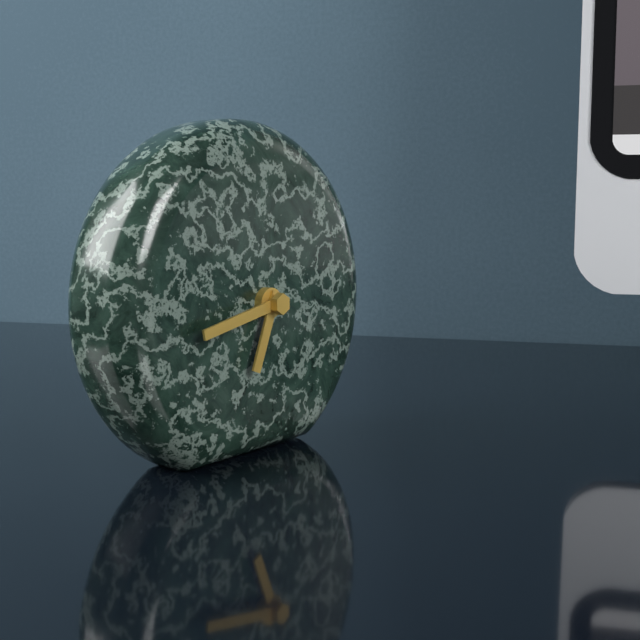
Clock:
h=6 m=43
